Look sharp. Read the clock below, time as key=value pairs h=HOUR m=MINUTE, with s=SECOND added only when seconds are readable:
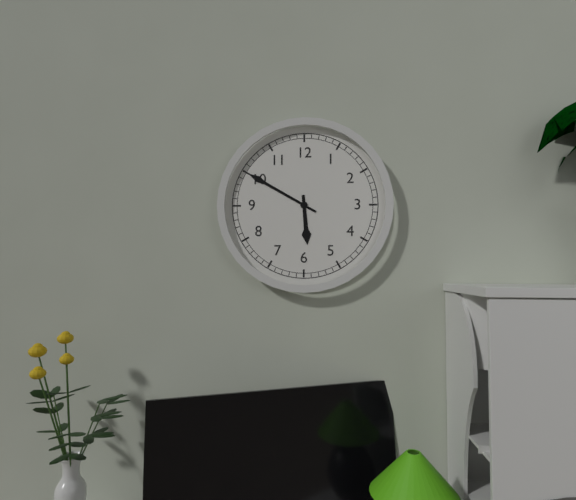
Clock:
h=5 m=50
